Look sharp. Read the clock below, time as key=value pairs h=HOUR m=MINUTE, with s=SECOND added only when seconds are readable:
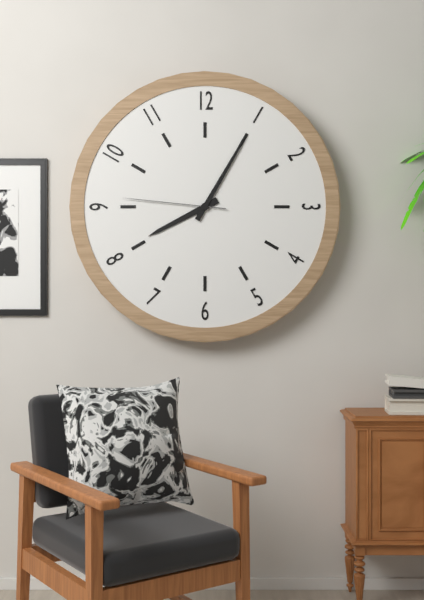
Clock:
h=8 m=5 s=46
